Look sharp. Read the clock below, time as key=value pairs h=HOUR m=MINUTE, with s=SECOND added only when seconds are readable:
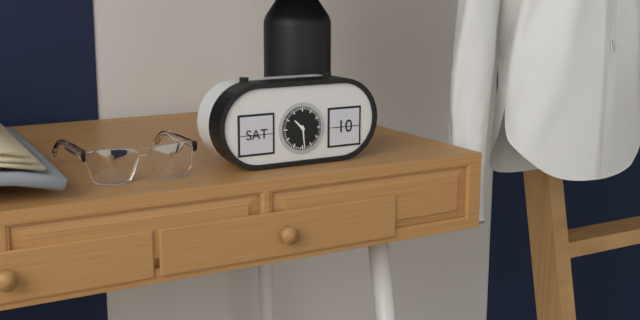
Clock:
h=10 m=29
